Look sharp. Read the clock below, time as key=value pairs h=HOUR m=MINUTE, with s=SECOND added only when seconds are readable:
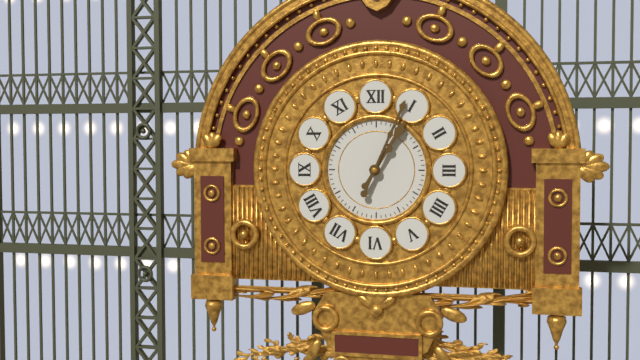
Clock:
h=1 m=4
